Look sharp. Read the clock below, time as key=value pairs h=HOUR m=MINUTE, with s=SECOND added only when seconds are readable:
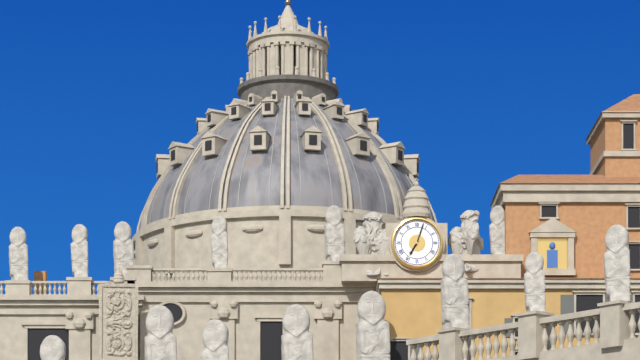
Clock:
h=7 m=3
